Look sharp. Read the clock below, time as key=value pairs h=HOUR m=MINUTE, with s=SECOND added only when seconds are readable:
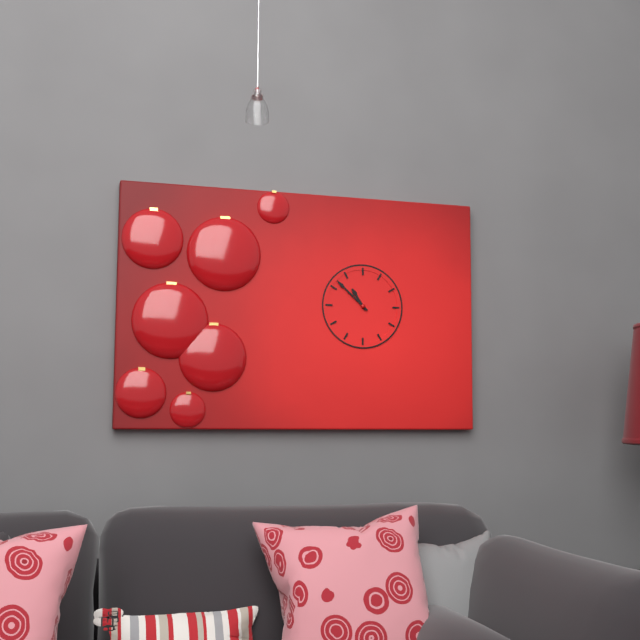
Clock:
h=10 m=52
